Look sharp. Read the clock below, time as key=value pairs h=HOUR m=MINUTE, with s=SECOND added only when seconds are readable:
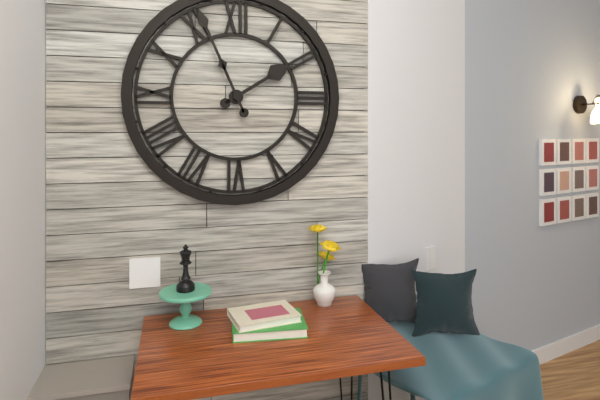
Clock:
h=1 m=56
